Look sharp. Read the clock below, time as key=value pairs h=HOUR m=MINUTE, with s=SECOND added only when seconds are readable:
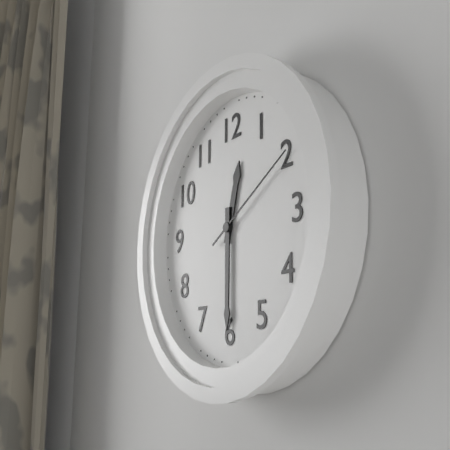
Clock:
h=12 m=30 s=10
